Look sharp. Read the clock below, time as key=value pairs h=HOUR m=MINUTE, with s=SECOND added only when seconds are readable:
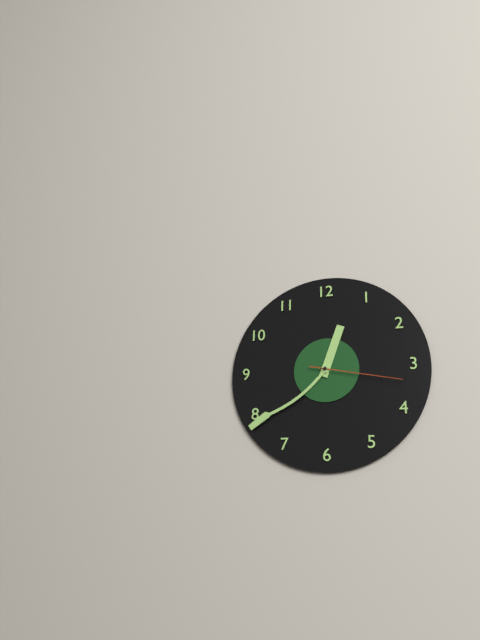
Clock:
h=12 m=39 s=17
